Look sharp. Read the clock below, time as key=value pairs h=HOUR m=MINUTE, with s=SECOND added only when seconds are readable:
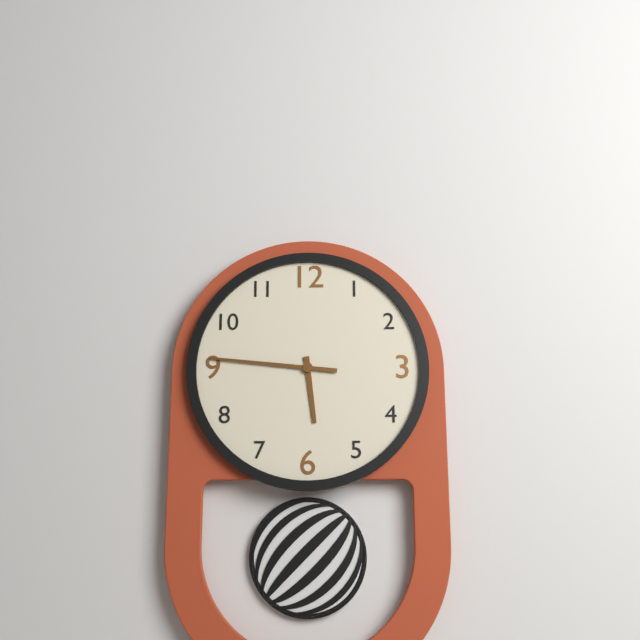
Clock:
h=5 m=46
